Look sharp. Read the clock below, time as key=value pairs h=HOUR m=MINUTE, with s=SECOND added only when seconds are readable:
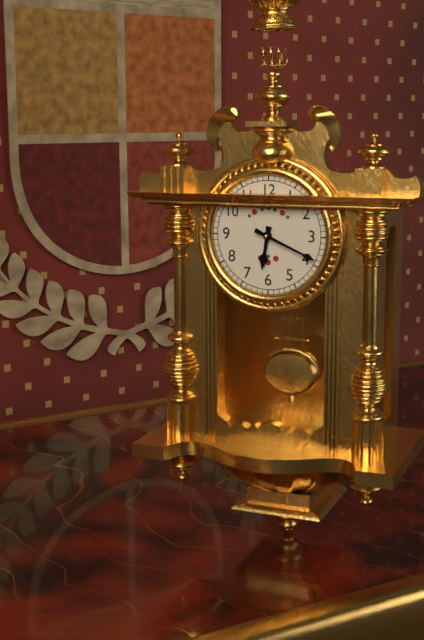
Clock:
h=6 m=19
